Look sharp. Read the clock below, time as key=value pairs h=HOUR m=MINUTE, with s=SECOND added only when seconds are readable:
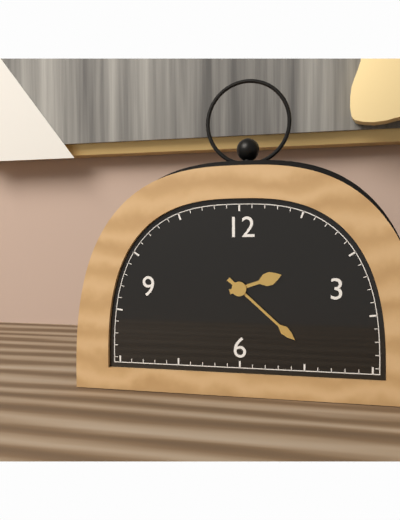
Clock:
h=2 m=22
